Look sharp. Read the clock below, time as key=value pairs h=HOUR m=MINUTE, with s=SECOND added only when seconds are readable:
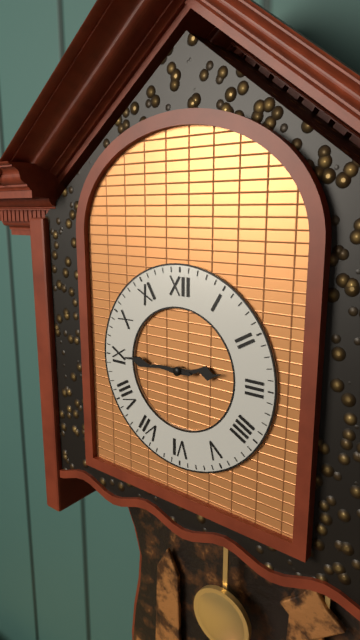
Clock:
h=2 m=45
